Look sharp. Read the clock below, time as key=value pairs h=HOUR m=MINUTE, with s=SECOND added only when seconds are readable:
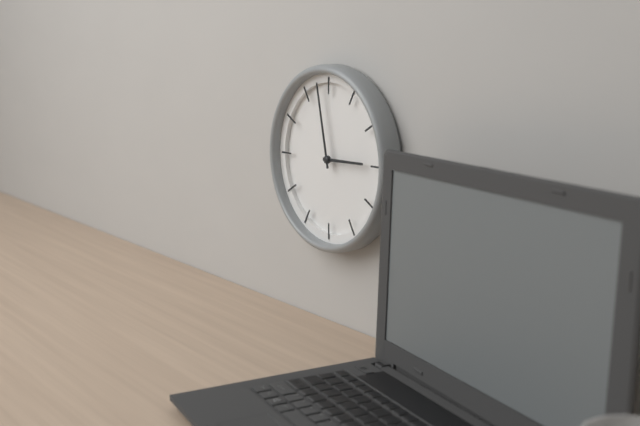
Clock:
h=2 m=58
